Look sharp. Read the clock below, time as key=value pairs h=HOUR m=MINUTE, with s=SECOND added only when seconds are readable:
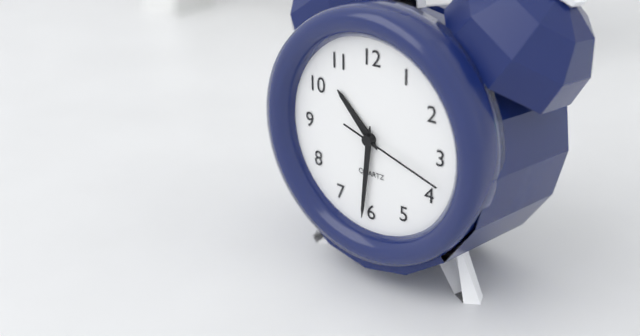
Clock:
h=10 m=31 s=18
